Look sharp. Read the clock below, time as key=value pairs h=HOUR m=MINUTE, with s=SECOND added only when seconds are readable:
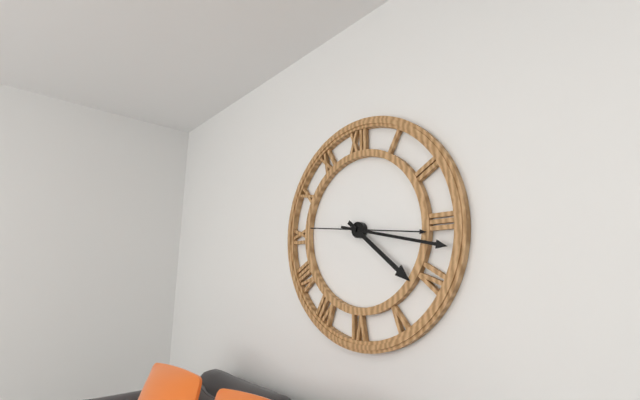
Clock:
h=4 m=17 s=16
